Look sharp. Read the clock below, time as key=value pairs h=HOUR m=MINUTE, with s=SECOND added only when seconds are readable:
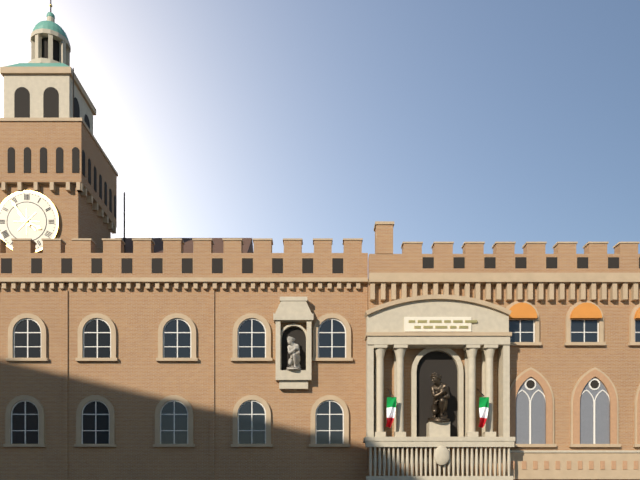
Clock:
h=3 m=54
